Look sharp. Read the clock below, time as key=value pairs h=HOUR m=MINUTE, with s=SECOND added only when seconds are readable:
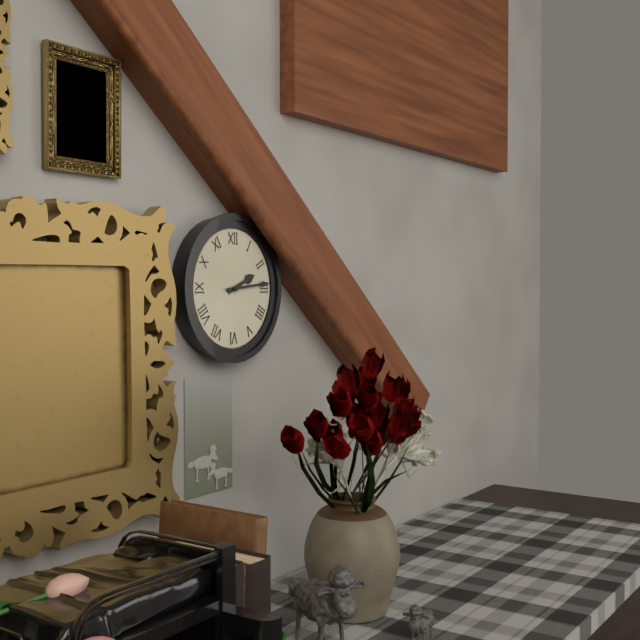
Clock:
h=2 m=14
